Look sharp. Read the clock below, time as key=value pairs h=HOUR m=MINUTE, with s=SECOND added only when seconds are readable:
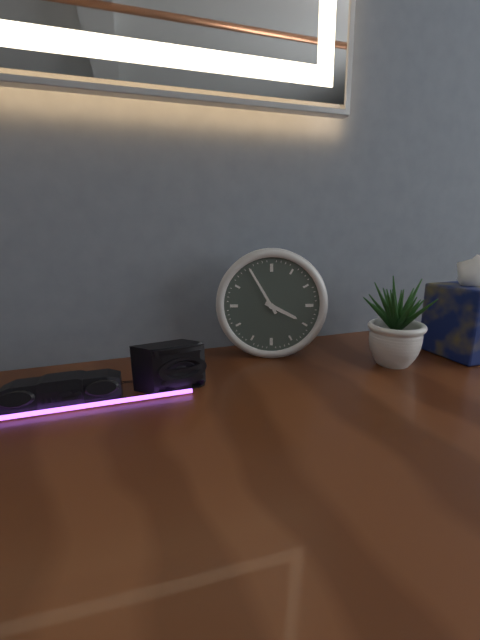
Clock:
h=3 m=55
